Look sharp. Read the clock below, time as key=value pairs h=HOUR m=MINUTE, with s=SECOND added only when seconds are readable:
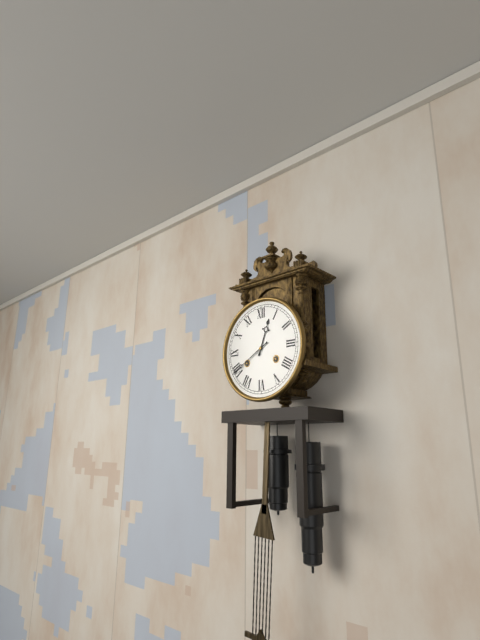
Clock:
h=12 m=40
